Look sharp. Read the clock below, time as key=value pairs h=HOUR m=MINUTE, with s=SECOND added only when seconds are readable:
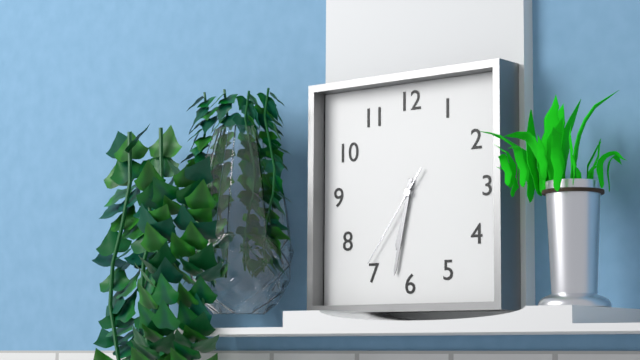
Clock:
h=6 m=32 s=36
